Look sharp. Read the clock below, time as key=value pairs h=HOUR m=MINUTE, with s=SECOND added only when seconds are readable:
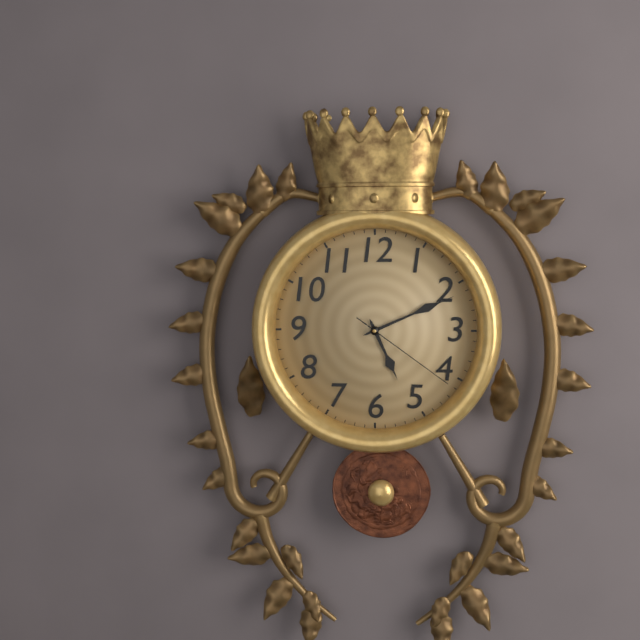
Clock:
h=5 m=11 s=21
